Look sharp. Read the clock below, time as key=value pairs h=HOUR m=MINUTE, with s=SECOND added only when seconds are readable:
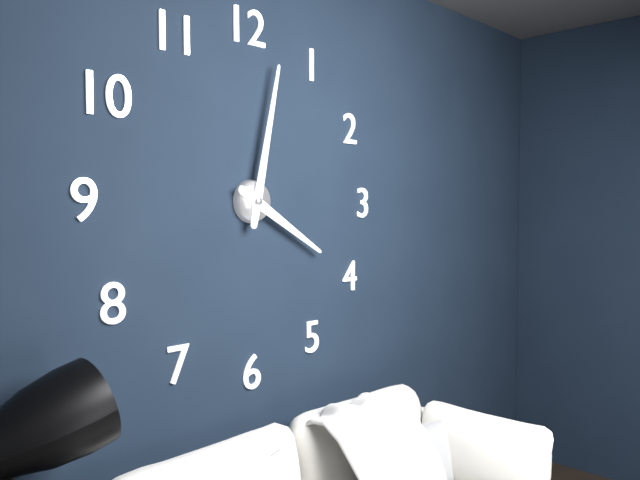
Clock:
h=4 m=2
